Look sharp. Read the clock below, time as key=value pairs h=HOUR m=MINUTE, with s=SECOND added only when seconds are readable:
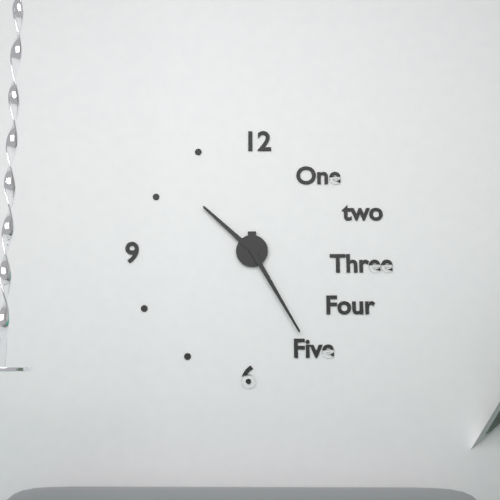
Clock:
h=10 m=25
